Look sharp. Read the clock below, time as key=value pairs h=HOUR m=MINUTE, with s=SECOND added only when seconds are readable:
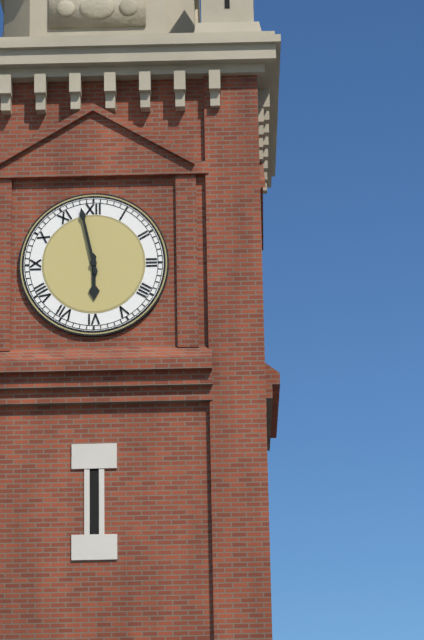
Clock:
h=5 m=58
